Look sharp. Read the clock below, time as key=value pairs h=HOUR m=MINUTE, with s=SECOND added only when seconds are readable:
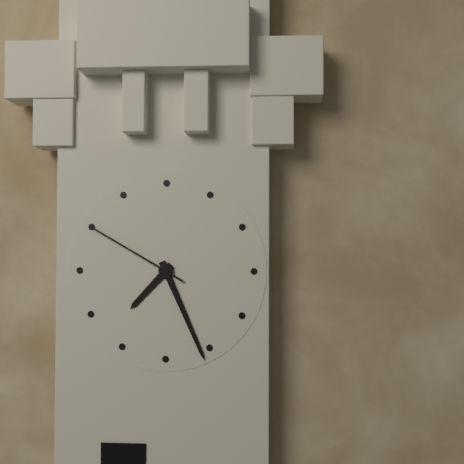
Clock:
h=7 m=26 s=50
